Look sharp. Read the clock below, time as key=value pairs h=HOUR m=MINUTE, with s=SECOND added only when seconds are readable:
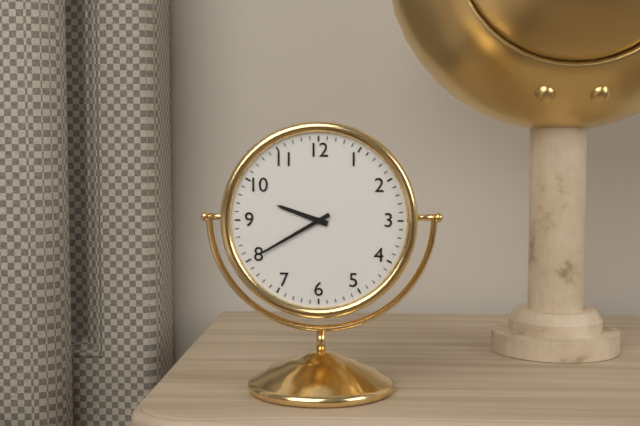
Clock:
h=9 m=40
